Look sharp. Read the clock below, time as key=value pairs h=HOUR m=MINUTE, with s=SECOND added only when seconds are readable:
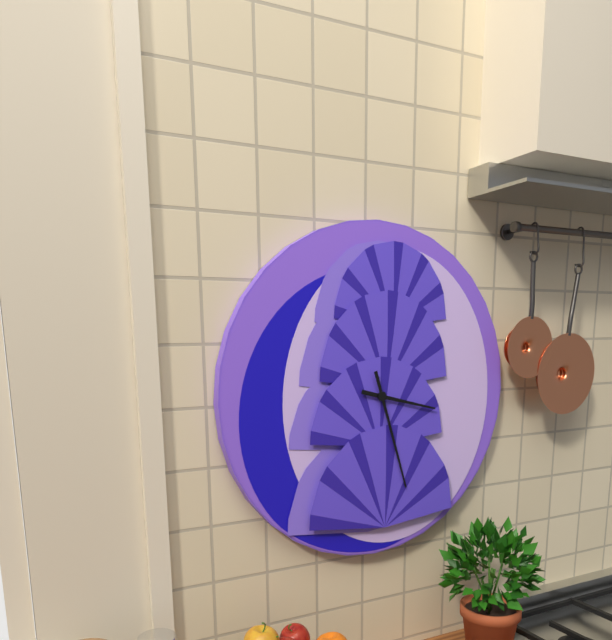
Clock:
h=3 m=27
